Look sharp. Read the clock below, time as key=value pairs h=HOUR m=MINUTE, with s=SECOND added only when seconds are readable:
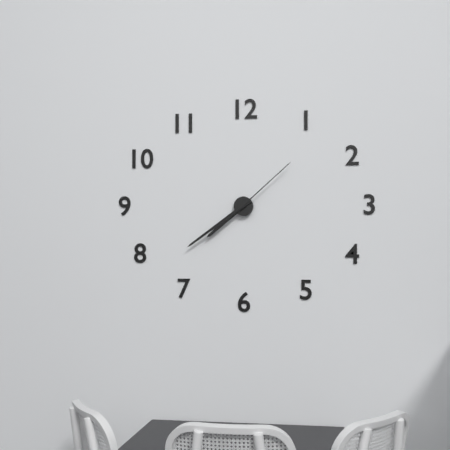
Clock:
h=7 m=39 s=8
